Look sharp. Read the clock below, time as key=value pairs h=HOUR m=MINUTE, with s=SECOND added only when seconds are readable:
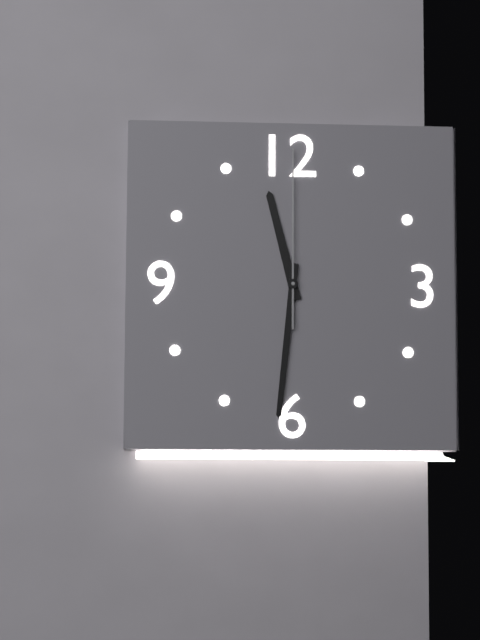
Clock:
h=11 m=31 s=0
